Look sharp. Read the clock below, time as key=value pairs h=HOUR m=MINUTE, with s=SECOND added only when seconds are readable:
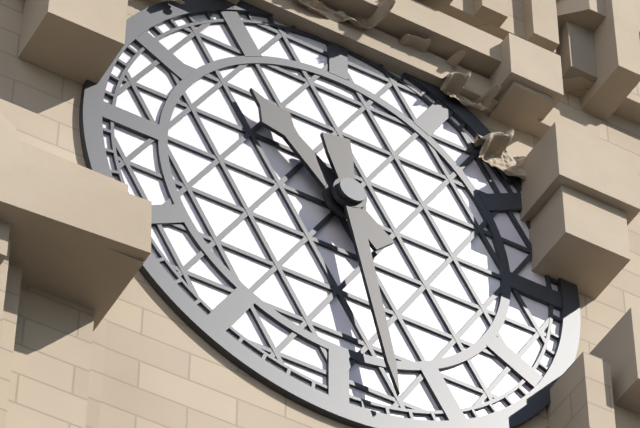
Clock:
h=10 m=28
